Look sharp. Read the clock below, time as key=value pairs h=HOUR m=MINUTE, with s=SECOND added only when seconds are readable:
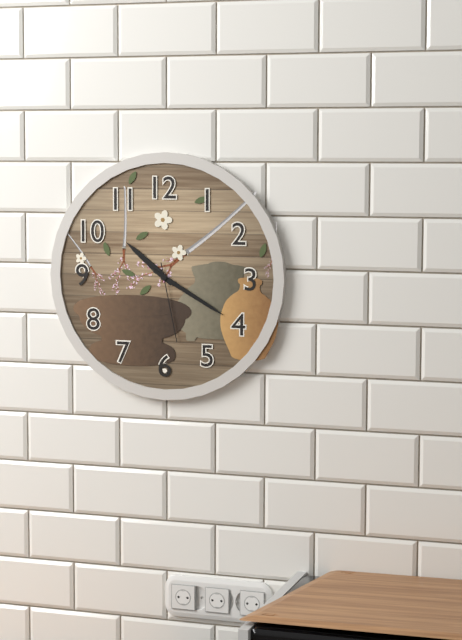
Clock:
h=10 m=20 s=28
